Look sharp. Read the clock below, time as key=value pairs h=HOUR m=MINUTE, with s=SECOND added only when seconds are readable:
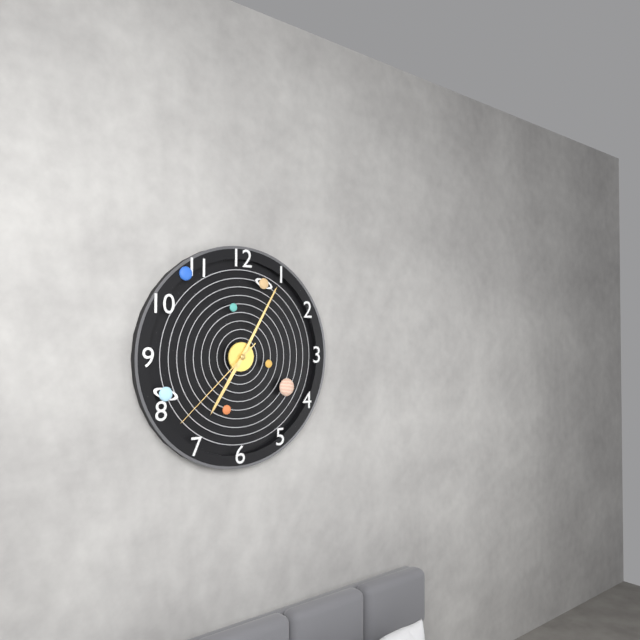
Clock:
h=7 m=5 s=38
